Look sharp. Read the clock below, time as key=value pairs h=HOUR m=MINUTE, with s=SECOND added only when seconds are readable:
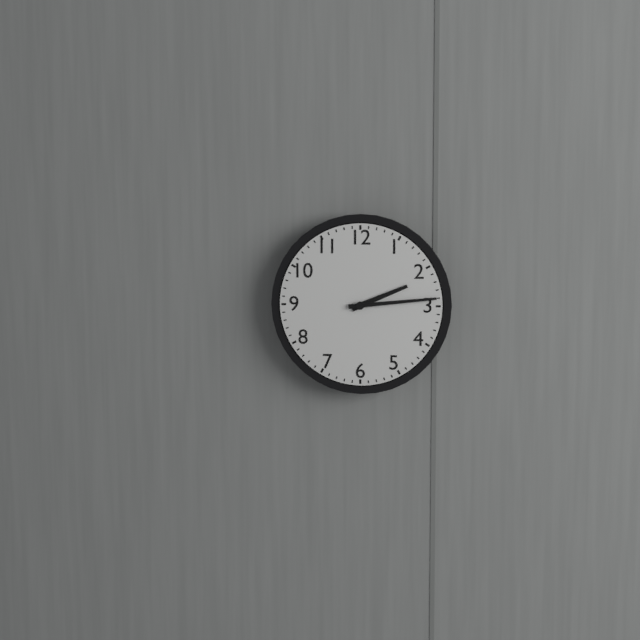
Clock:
h=2 m=14
